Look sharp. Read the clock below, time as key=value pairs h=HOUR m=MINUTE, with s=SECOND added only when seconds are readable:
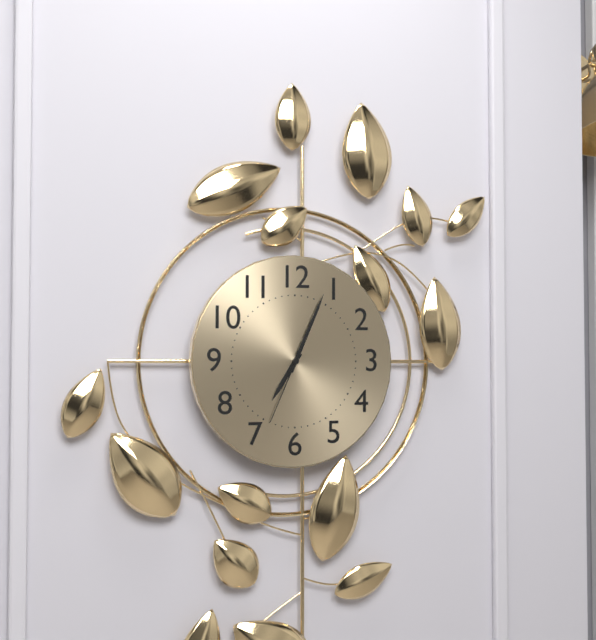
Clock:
h=7 m=4 s=34
